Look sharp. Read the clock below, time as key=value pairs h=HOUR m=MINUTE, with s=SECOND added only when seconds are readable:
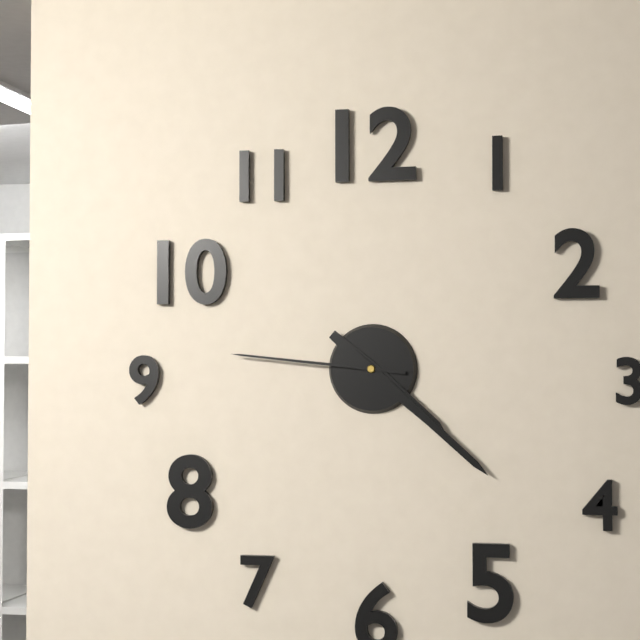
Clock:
h=4 m=22 s=46
